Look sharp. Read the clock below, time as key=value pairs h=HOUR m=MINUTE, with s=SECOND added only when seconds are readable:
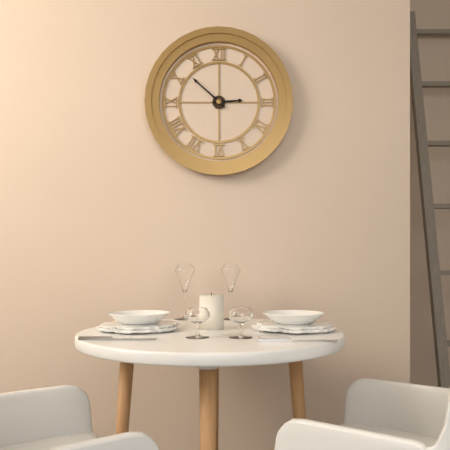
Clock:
h=2 m=52
